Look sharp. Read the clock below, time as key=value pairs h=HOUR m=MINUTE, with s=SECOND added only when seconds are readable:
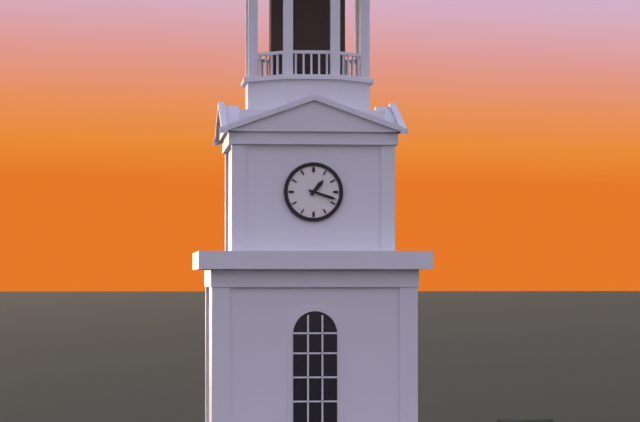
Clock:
h=1 m=18
